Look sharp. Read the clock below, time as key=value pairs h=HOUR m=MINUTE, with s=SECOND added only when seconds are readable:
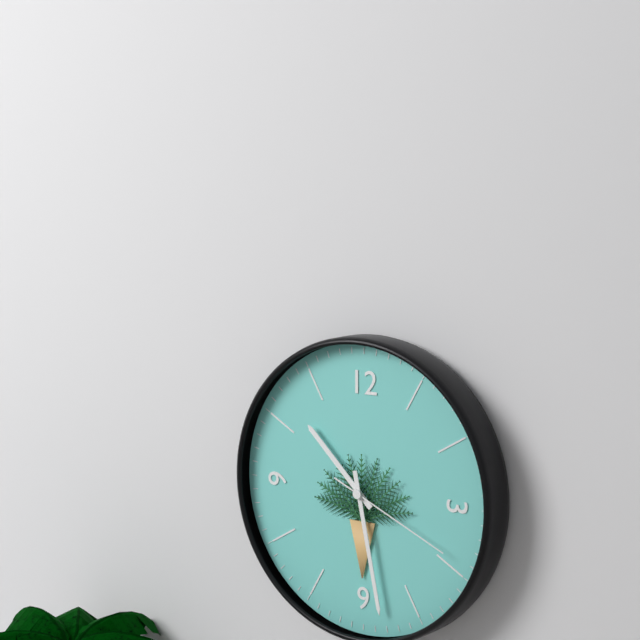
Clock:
h=10 m=28 s=19
